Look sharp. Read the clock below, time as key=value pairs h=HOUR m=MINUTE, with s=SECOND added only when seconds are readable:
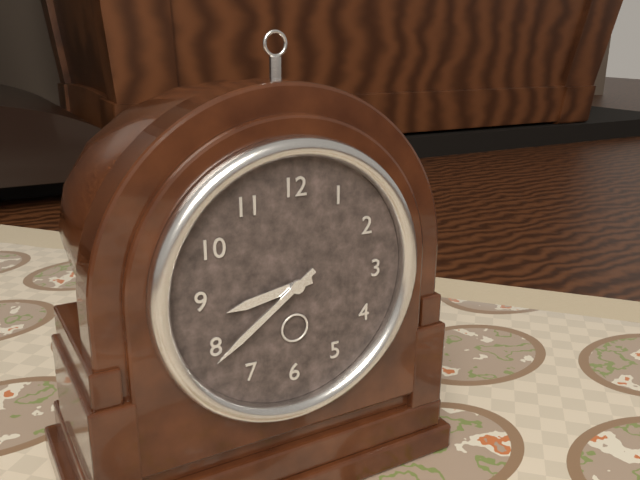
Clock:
h=8 m=39
